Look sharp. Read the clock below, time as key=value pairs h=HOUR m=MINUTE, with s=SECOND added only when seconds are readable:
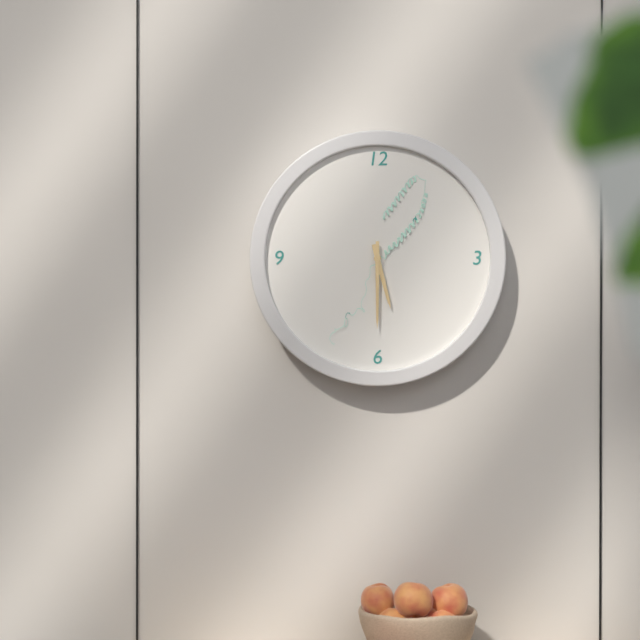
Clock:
h=5 m=30
